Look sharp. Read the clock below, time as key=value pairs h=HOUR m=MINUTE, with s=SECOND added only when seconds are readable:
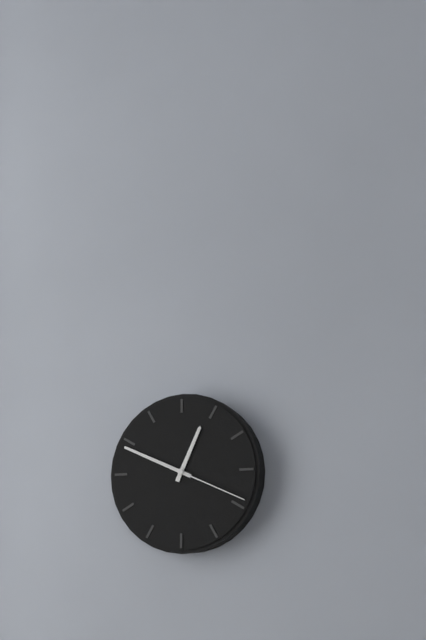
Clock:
h=12 m=49 s=19
